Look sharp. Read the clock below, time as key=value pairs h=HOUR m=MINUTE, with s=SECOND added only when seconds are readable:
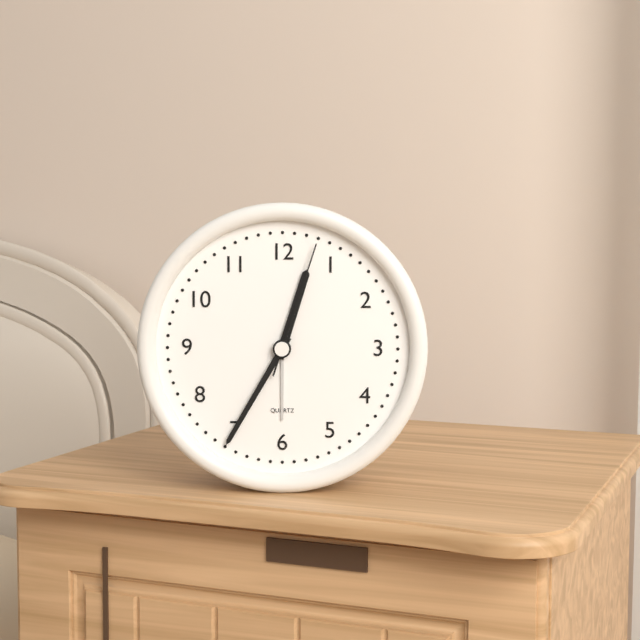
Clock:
h=12 m=35 s=3
